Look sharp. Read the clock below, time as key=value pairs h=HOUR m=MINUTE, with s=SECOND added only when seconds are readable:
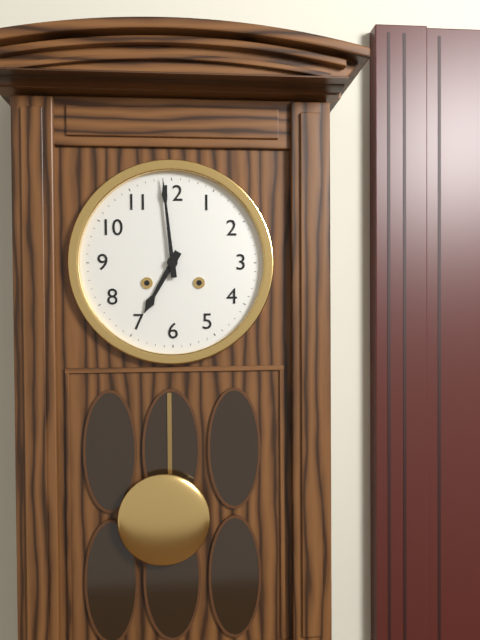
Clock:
h=6 m=59
